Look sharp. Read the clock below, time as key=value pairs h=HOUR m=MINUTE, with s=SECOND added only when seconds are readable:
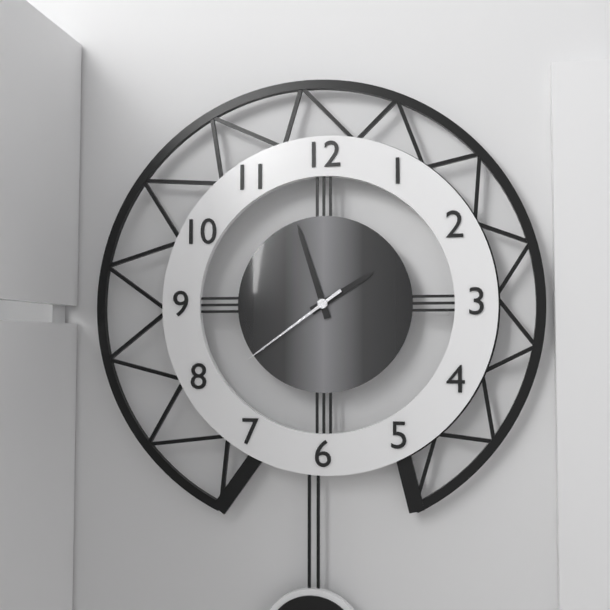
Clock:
h=1 m=57 s=39
